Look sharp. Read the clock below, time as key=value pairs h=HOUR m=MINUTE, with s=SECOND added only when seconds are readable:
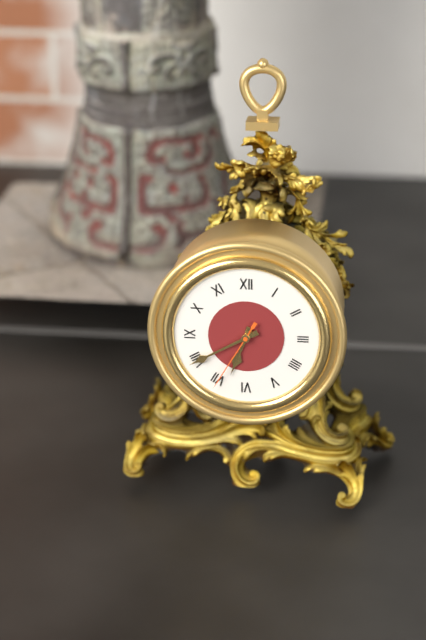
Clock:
h=6 m=40 s=35
